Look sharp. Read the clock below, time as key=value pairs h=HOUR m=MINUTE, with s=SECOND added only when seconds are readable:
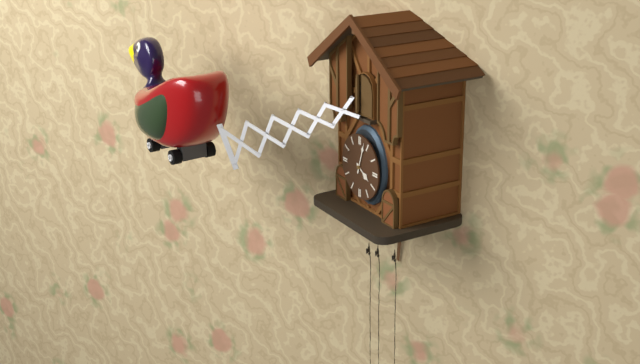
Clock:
h=4 m=3
